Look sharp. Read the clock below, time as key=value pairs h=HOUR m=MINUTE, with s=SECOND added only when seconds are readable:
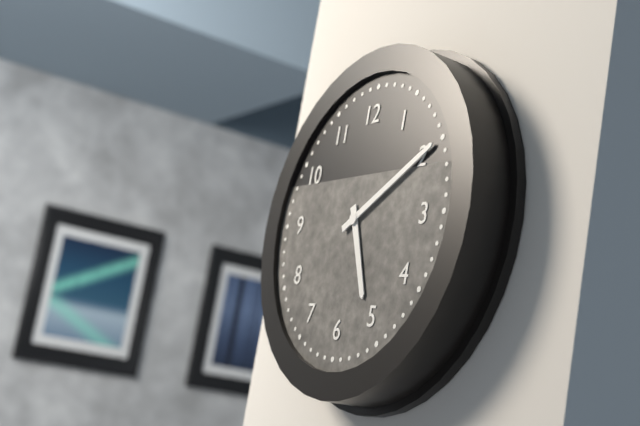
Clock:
h=5 m=10
